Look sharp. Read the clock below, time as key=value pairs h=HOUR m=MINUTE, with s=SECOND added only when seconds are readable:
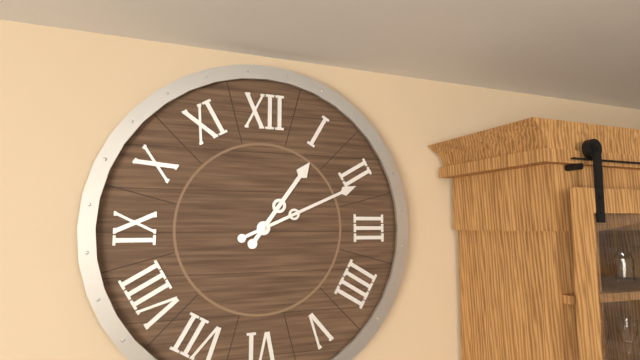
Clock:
h=1 m=11
